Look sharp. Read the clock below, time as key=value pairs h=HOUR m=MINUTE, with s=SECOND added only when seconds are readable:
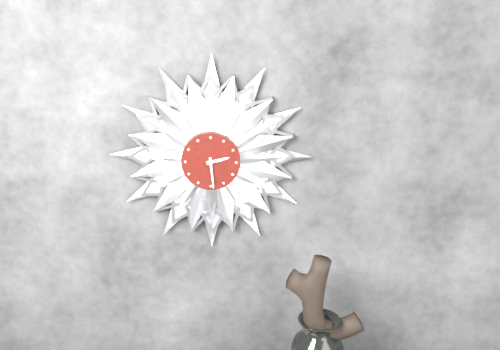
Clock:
h=2 m=29
